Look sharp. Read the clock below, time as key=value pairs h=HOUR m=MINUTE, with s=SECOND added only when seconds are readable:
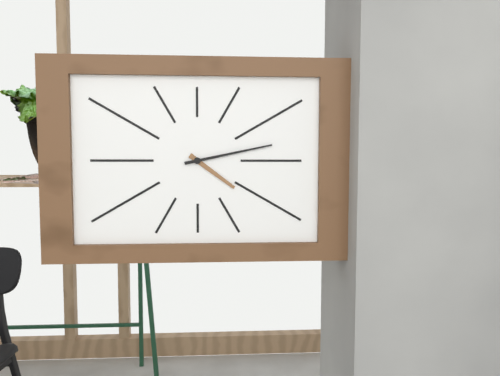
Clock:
h=4 m=13
